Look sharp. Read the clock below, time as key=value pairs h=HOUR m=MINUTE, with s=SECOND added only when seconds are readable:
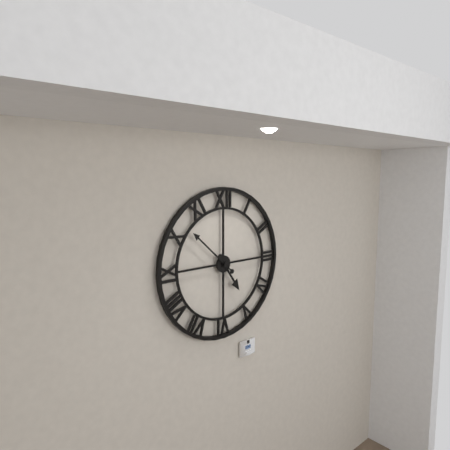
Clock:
h=4 m=52
